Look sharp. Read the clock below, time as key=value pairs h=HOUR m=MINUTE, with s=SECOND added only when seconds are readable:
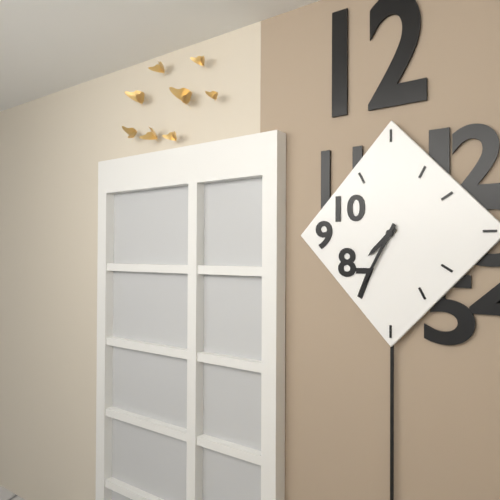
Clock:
h=7 m=35
